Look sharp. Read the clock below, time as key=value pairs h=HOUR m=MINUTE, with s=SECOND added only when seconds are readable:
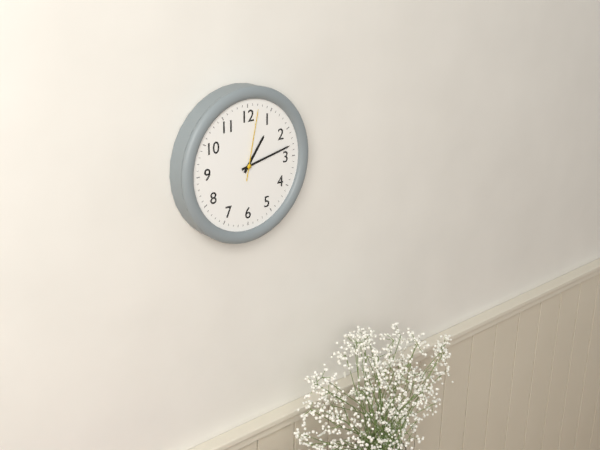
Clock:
h=1 m=13 s=2
